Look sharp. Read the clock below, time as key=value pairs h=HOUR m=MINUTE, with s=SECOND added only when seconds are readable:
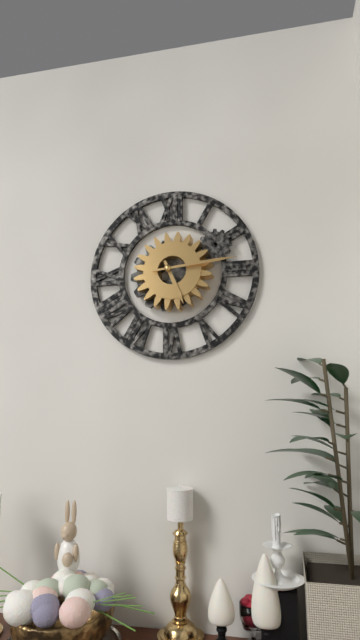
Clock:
h=5 m=14
